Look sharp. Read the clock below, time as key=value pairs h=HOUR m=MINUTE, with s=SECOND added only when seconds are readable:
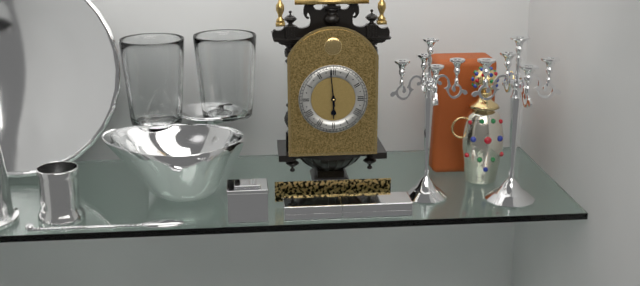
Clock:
h=5 m=59
